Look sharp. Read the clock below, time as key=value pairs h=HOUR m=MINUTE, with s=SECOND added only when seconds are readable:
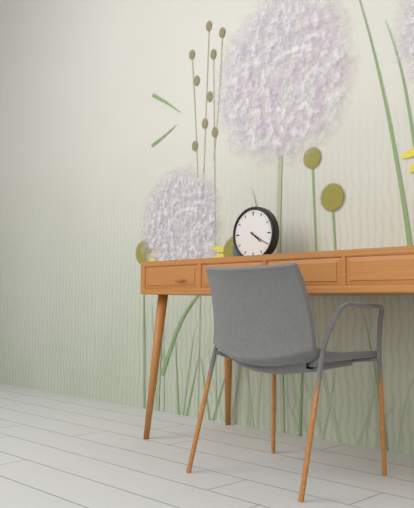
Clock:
h=4 m=20
